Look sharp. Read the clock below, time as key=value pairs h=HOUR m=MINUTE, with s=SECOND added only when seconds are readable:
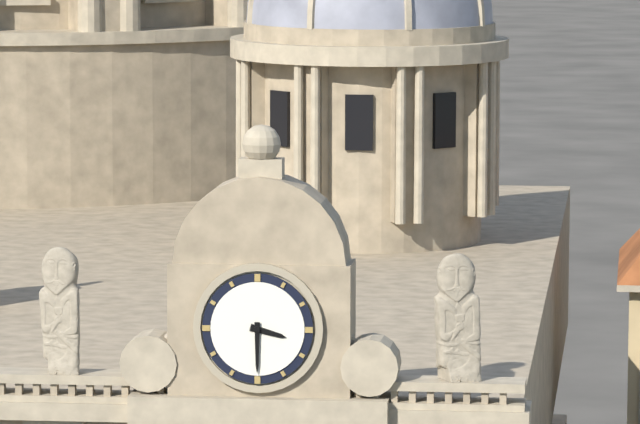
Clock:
h=3 m=30
